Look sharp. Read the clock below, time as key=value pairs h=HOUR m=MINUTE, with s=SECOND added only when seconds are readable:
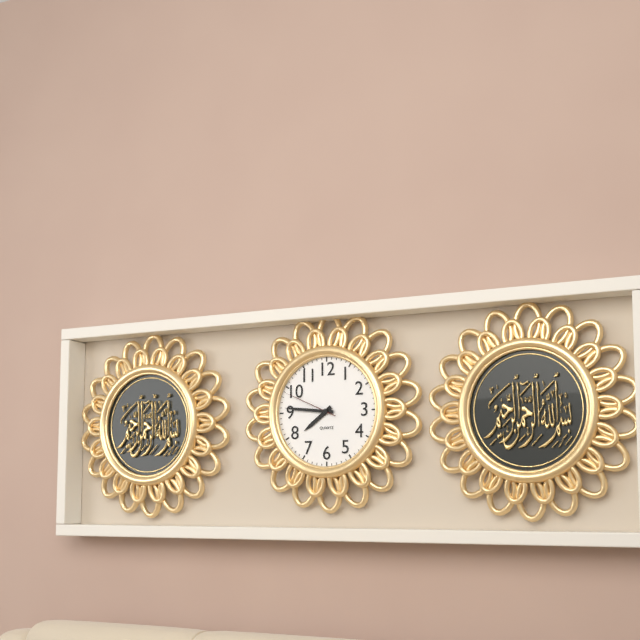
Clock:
h=7 m=46 s=49
